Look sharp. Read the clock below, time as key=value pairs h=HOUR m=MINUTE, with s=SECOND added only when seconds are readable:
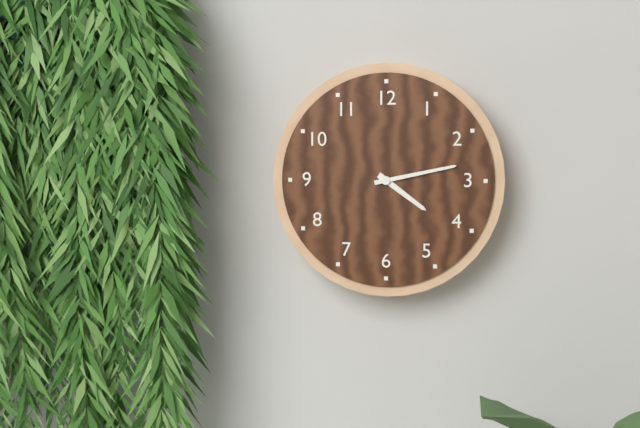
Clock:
h=4 m=13
